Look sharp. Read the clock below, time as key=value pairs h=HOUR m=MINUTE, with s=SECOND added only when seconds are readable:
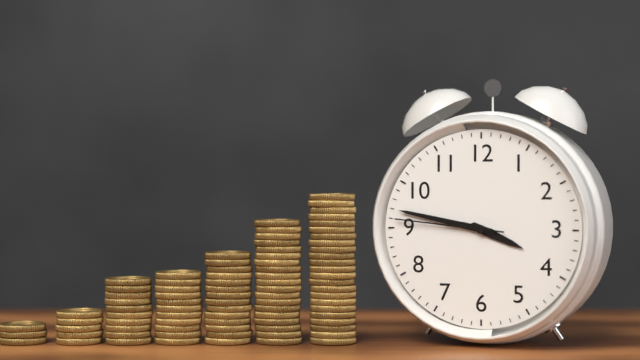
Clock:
h=3 m=47 s=46
